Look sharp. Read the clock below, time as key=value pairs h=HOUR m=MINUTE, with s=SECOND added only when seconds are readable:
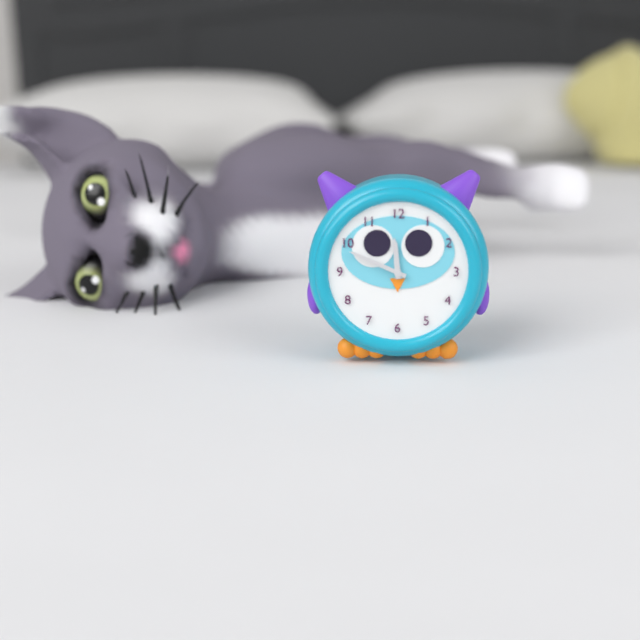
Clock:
h=11 m=49
